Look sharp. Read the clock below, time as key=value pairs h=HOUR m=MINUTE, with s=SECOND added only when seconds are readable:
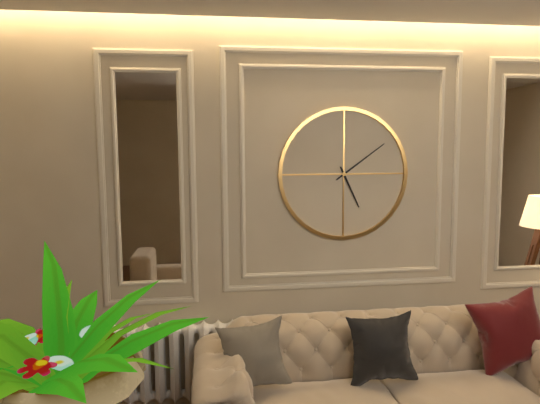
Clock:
h=5 m=9
